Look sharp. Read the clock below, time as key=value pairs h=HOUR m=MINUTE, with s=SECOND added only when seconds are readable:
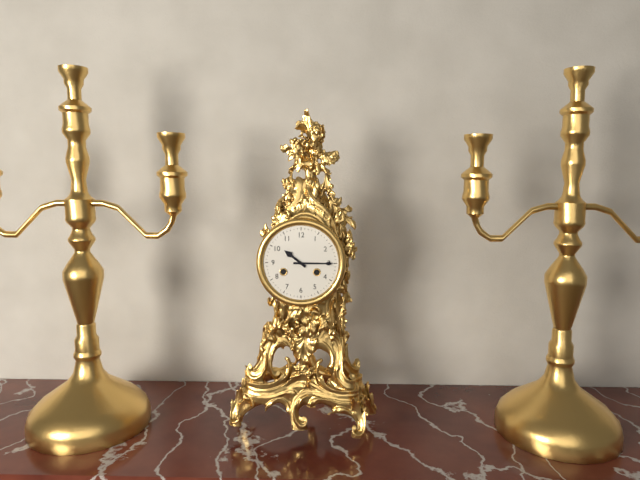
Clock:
h=10 m=15
